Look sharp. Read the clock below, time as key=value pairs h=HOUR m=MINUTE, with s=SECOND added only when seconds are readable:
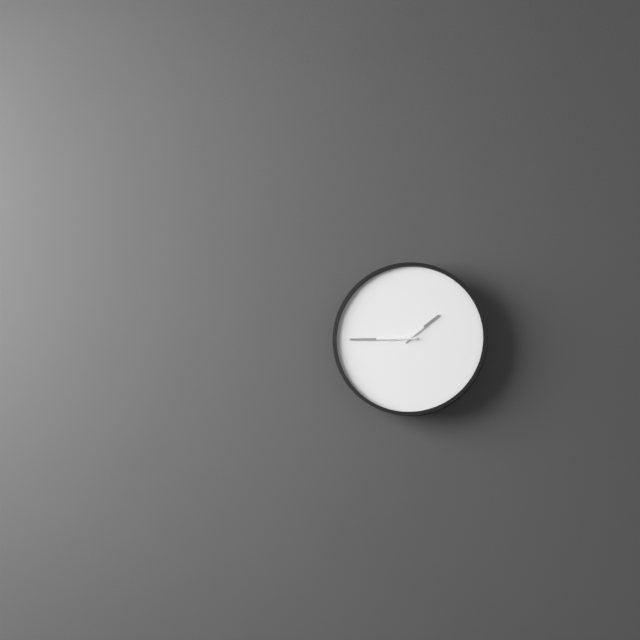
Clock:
h=1 m=45
